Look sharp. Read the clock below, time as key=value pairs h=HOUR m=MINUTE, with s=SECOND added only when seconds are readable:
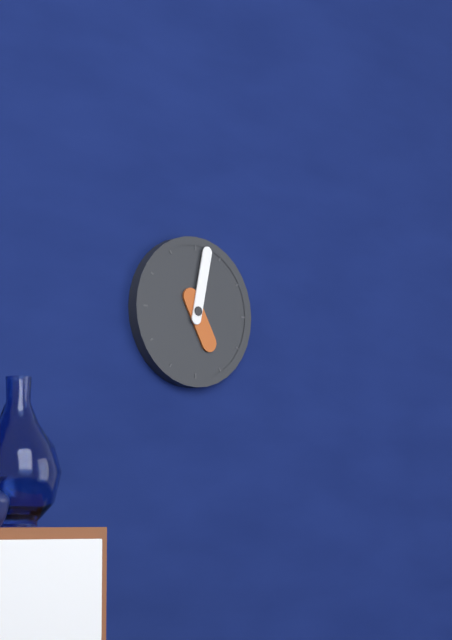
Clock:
h=5 m=2
